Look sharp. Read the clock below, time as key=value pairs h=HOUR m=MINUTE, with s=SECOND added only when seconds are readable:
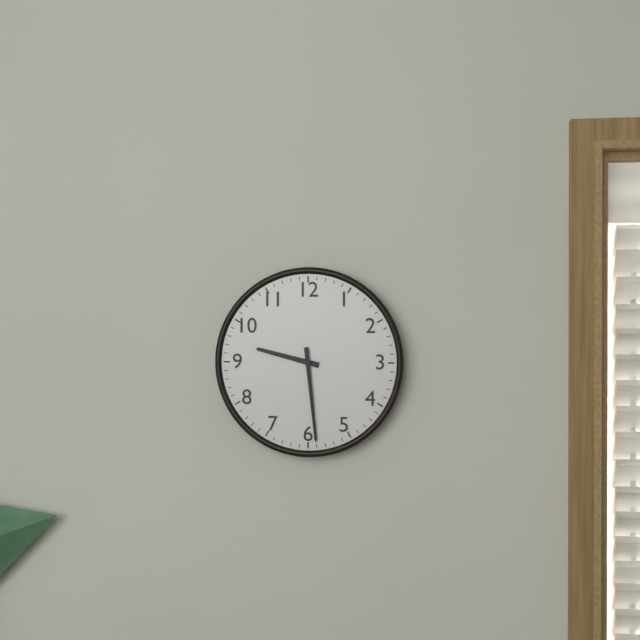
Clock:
h=9 m=29
